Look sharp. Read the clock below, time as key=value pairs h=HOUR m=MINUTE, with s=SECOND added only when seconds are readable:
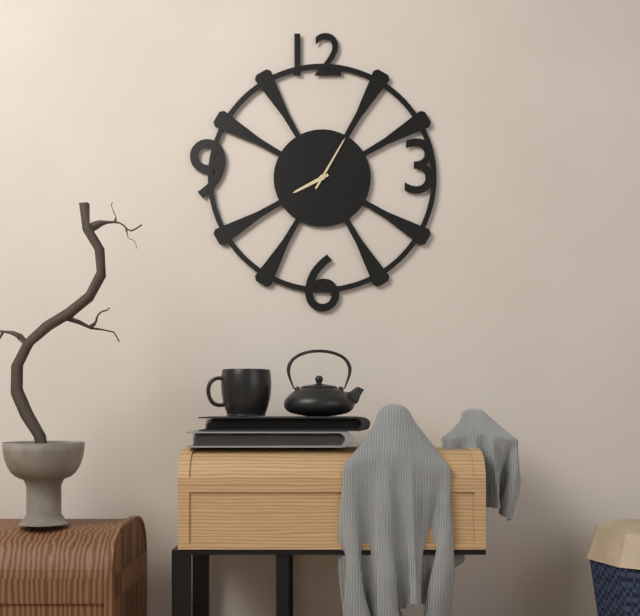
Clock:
h=8 m=5
